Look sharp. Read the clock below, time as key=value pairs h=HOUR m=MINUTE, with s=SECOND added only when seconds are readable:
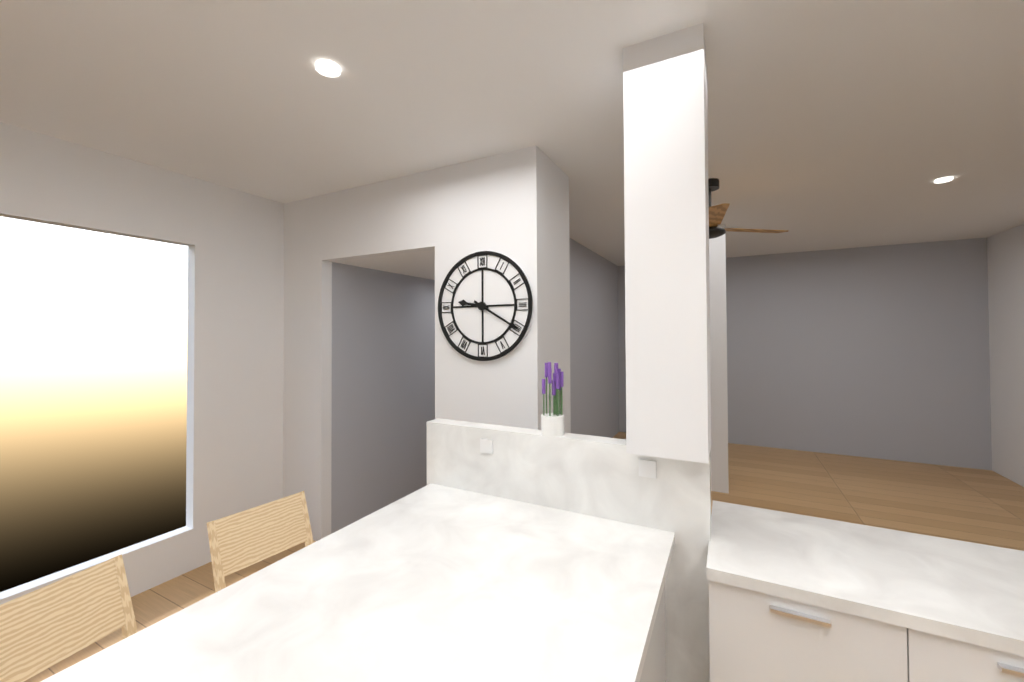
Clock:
h=9 m=20
